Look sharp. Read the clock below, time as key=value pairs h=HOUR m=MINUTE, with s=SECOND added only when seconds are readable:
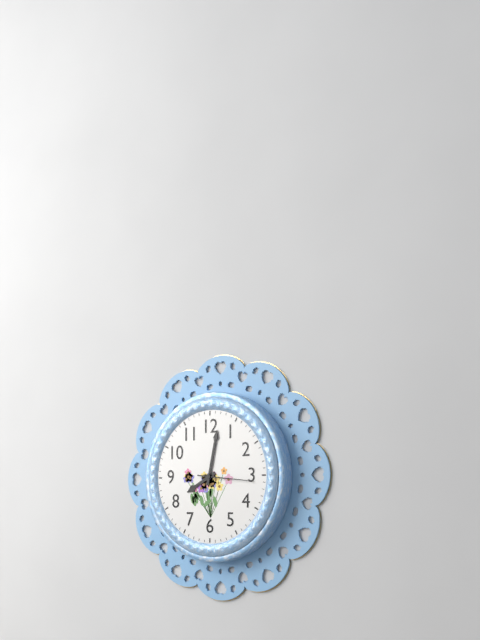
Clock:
h=8 m=2 s=16
